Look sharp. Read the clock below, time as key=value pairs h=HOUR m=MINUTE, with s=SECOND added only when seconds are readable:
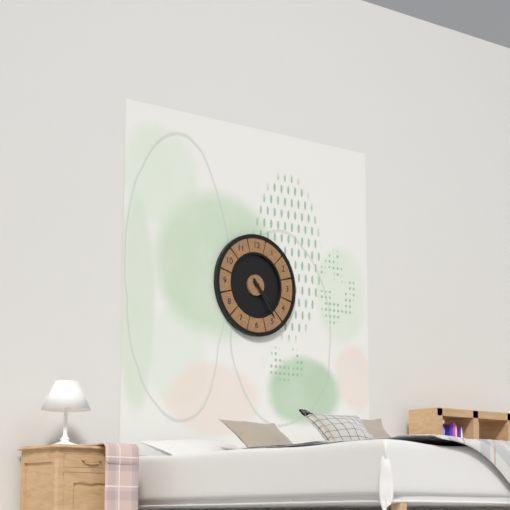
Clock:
h=4 m=24
